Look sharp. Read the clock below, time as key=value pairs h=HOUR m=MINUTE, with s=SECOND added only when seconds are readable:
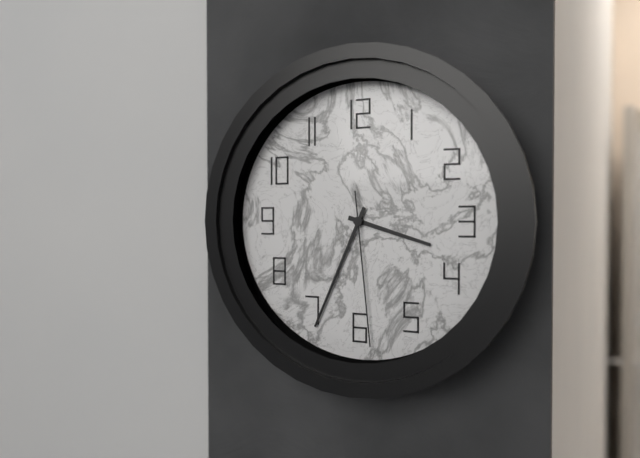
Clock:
h=3 m=34 s=29
